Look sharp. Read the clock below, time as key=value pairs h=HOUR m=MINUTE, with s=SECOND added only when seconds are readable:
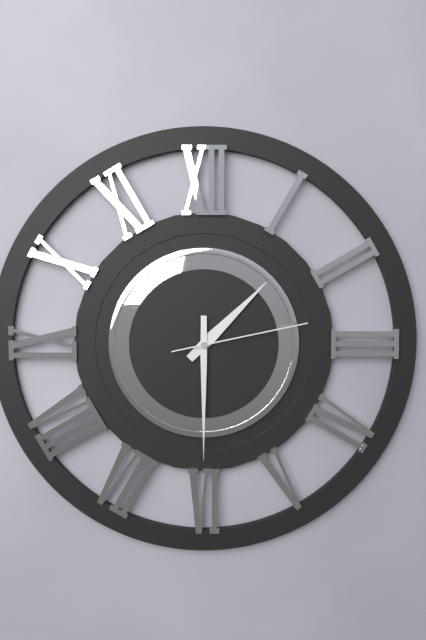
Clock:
h=1 m=30 s=13
